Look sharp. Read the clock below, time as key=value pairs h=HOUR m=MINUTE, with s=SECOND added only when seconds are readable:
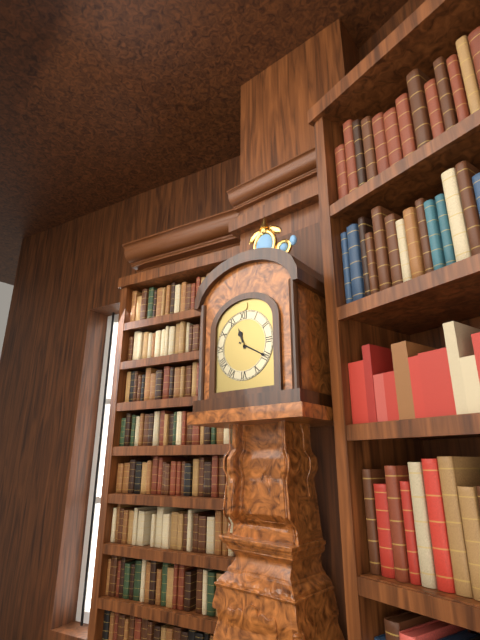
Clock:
h=11 m=20
